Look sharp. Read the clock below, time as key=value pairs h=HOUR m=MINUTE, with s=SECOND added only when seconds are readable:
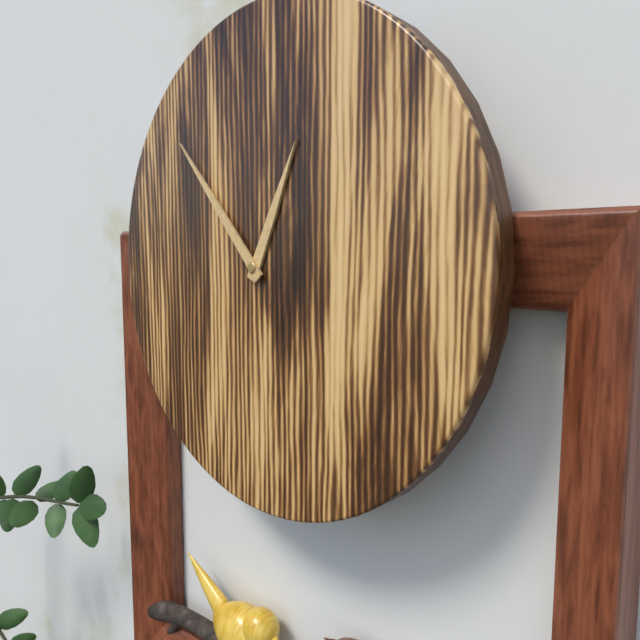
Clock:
h=12 m=53
